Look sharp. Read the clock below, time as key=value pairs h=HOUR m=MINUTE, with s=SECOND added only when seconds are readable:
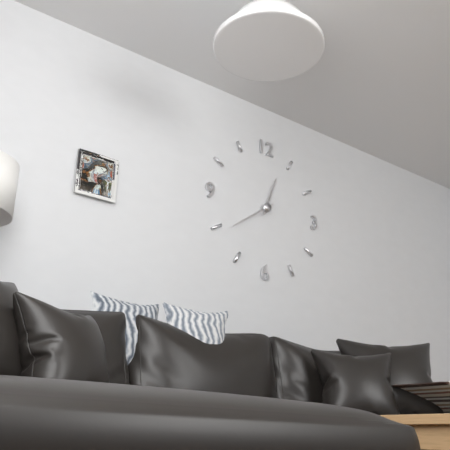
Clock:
h=12 m=39
